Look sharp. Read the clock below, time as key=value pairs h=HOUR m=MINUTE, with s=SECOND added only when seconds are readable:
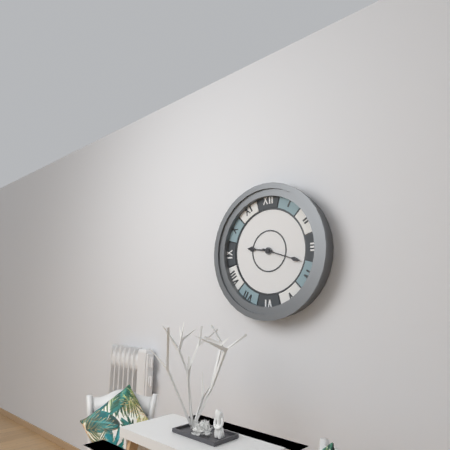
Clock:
h=9 m=18
